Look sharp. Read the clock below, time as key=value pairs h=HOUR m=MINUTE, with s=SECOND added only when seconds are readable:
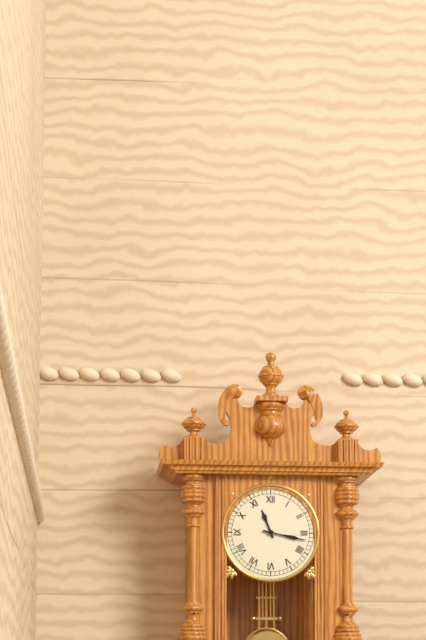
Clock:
h=11 m=17
